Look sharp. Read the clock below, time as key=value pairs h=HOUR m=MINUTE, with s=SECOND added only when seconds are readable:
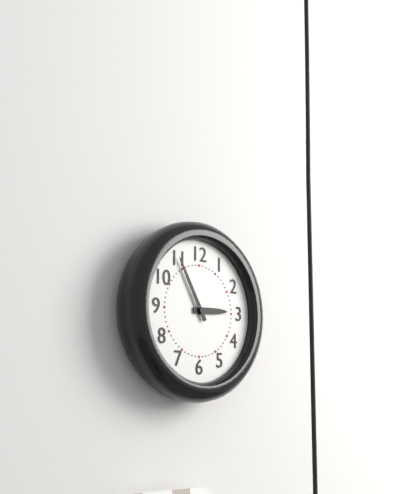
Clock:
h=2 m=55
